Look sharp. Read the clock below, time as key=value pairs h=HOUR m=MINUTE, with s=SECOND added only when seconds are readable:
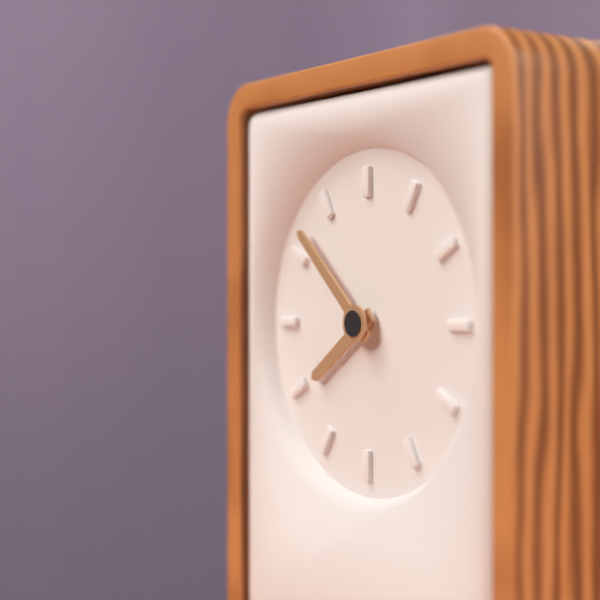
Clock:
h=7 m=52
